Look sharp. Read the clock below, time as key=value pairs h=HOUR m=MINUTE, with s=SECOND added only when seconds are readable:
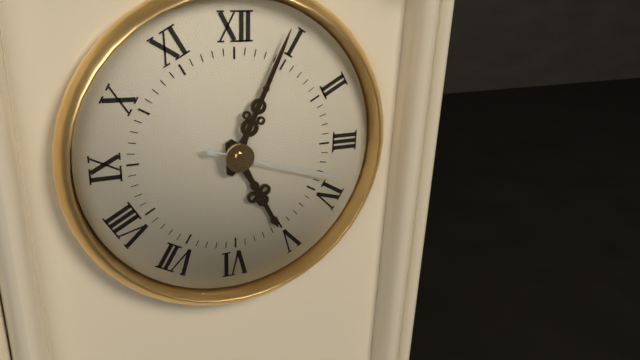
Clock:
h=5 m=4 s=18
